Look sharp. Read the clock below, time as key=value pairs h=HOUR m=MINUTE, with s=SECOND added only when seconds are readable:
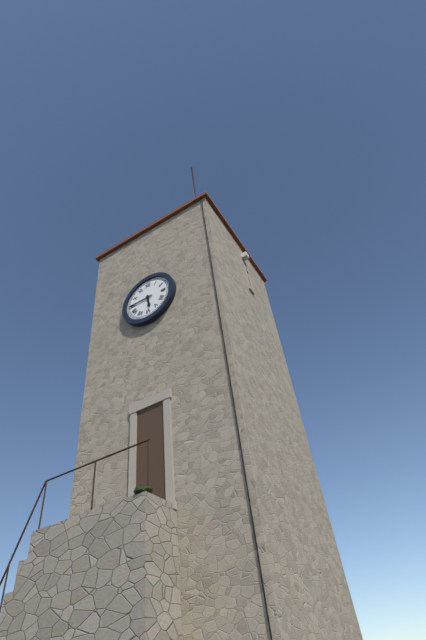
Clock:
h=5 m=45
